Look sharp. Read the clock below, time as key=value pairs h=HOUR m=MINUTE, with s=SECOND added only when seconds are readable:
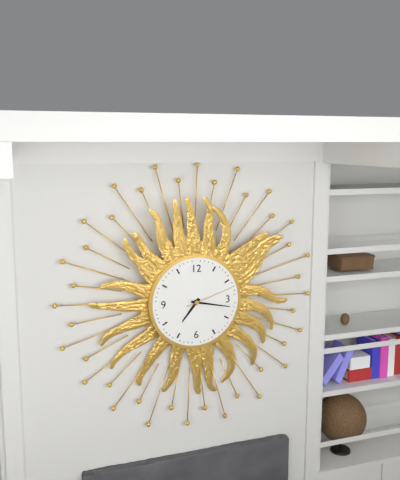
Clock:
h=7 m=17
